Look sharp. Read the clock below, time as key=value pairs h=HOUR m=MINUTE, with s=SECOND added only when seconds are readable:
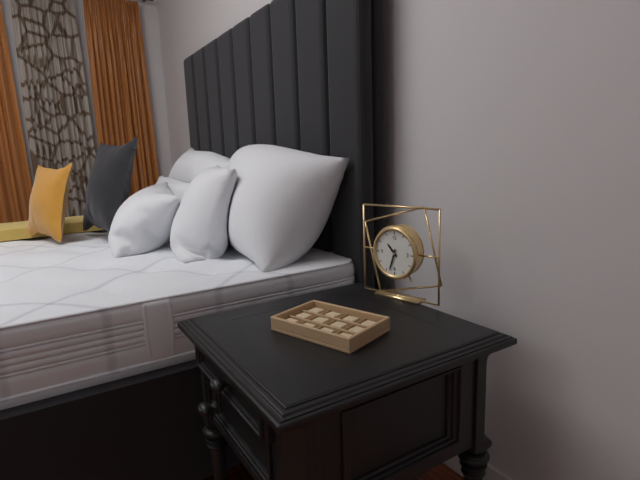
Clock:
h=10 m=33
